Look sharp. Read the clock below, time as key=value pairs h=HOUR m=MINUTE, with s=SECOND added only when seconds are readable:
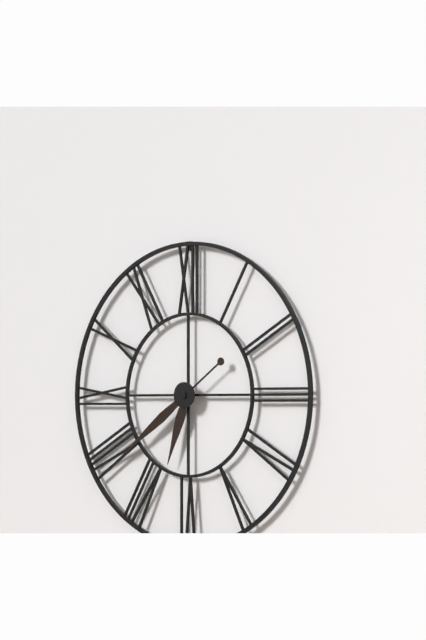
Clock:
h=6 m=39
